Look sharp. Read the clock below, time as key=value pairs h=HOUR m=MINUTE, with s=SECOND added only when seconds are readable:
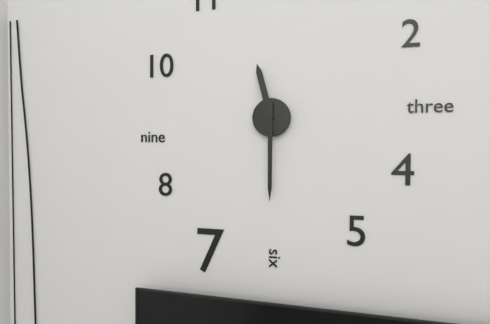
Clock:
h=11 m=30
